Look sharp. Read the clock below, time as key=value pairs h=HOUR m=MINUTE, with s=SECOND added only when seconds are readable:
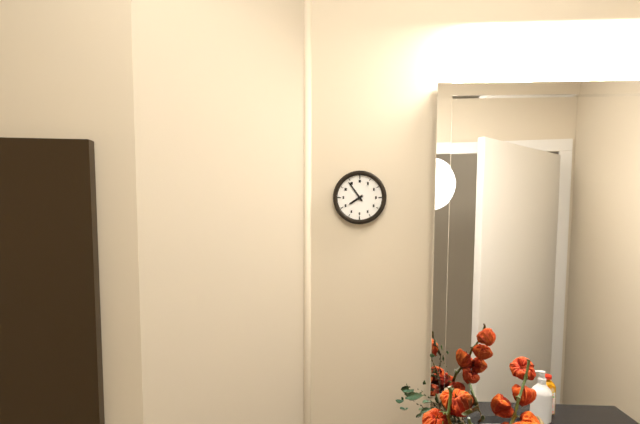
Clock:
h=7 m=54
